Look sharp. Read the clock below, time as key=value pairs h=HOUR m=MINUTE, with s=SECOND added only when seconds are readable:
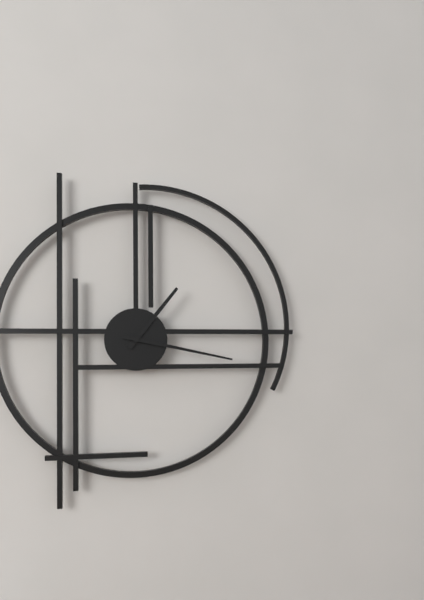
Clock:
h=1 m=17
